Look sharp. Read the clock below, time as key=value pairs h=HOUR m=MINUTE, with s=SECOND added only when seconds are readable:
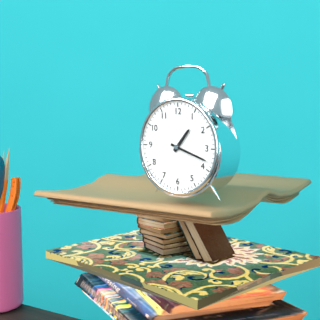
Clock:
h=1 m=18
